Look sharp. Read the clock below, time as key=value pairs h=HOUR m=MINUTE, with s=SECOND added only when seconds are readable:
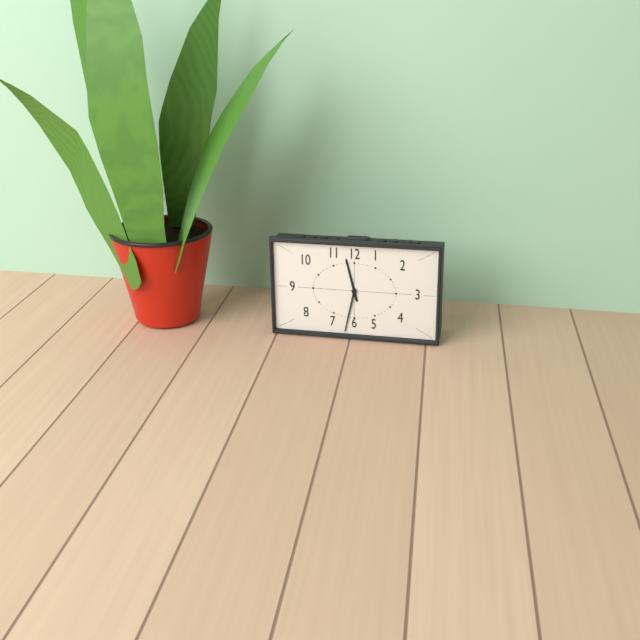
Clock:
h=11 m=32
